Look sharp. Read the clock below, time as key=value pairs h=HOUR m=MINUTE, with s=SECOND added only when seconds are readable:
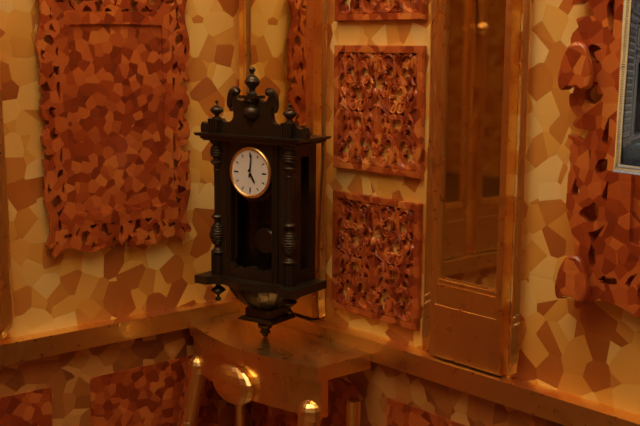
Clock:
h=5 m=1
